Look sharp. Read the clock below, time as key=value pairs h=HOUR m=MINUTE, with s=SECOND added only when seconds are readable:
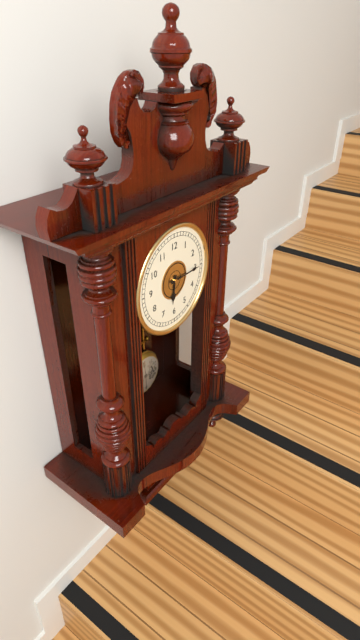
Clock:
h=6 m=15
